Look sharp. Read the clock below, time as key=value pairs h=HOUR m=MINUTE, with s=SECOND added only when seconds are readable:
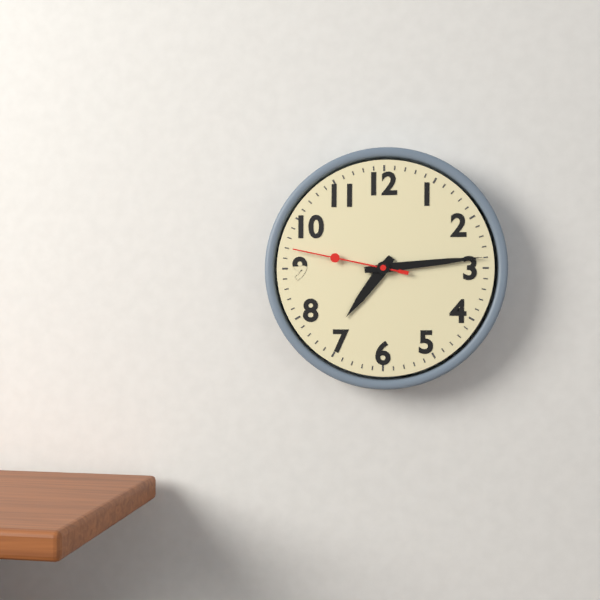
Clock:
h=7 m=14 s=47
